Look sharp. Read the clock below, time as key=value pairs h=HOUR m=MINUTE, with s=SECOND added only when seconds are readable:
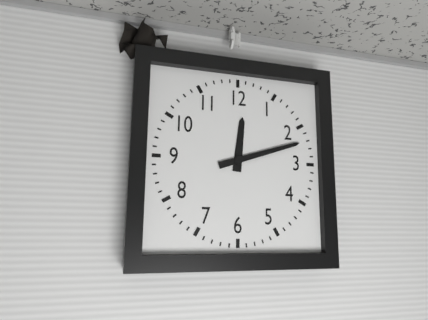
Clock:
h=12 m=12
